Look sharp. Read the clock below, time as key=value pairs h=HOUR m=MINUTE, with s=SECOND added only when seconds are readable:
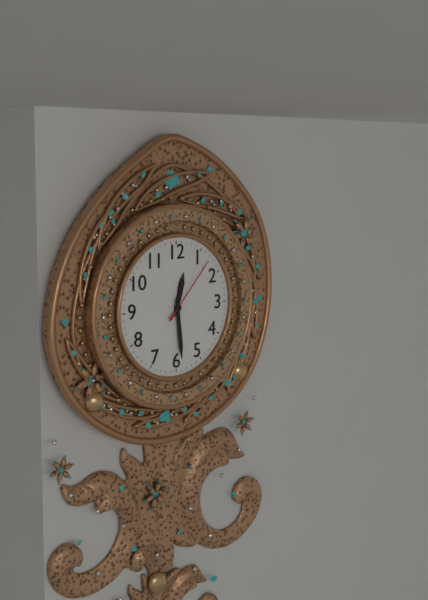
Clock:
h=12 m=29 s=7
